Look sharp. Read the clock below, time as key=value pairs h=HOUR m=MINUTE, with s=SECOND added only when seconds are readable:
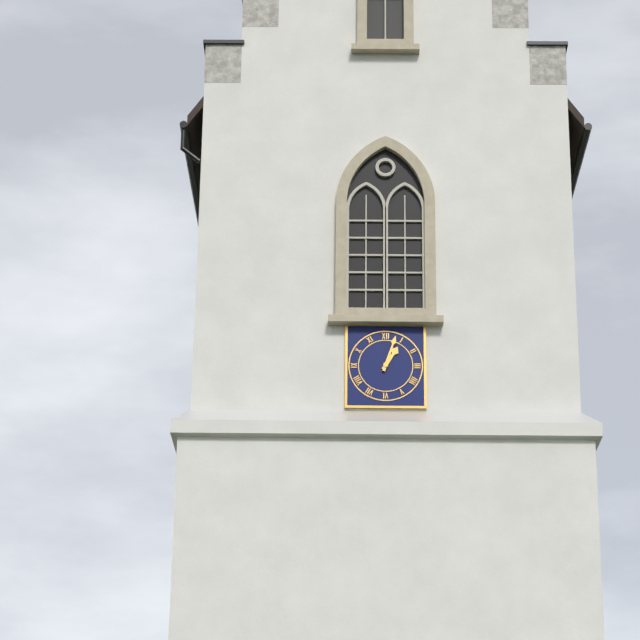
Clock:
h=1 m=3
